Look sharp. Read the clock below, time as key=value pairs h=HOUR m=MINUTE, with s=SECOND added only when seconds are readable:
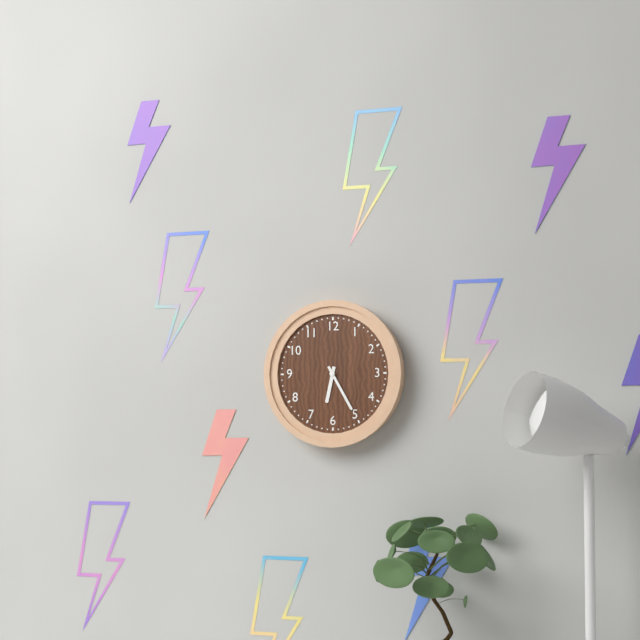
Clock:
h=6 m=25
